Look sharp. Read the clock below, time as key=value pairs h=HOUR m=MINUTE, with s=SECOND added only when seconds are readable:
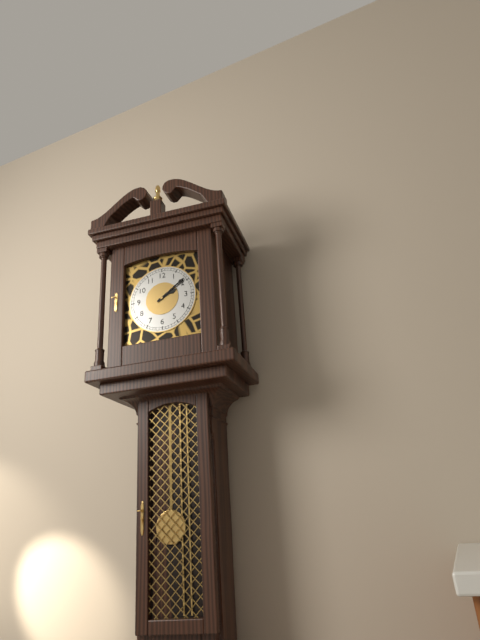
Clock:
h=2 m=9
